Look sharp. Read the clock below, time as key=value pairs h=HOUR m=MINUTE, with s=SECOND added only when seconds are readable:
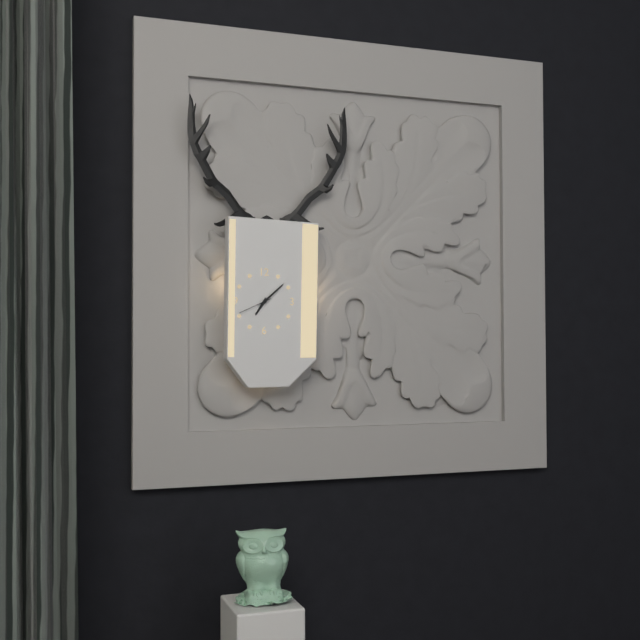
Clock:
h=7 m=8
